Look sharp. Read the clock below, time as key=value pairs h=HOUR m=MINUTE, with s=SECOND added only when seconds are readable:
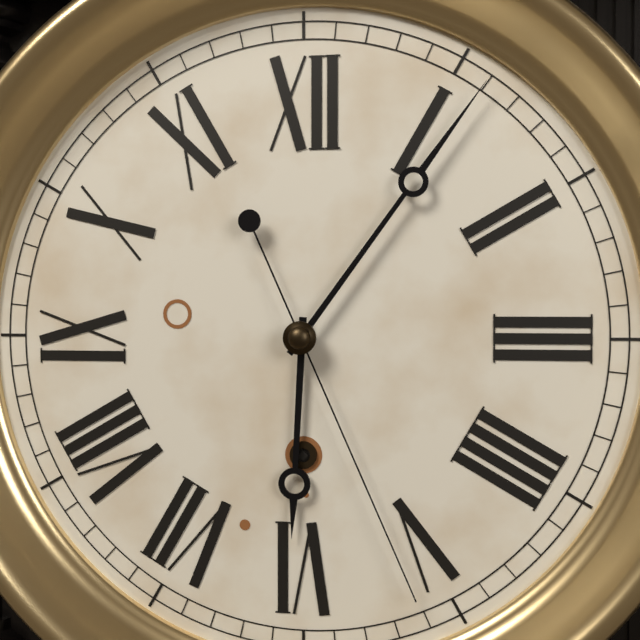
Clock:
h=6 m=6 s=26
